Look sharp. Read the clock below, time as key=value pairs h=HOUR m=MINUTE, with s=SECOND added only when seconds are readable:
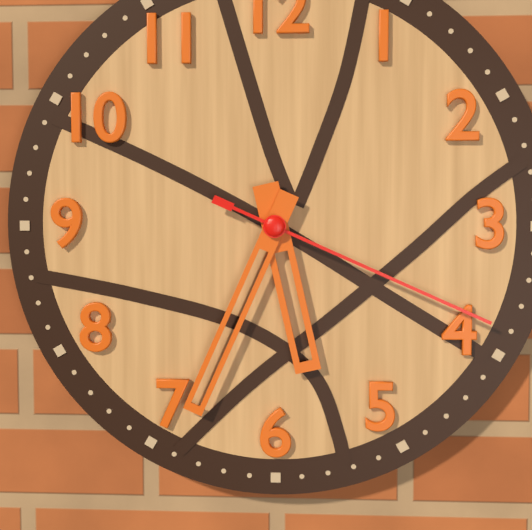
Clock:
h=5 m=34 s=19
